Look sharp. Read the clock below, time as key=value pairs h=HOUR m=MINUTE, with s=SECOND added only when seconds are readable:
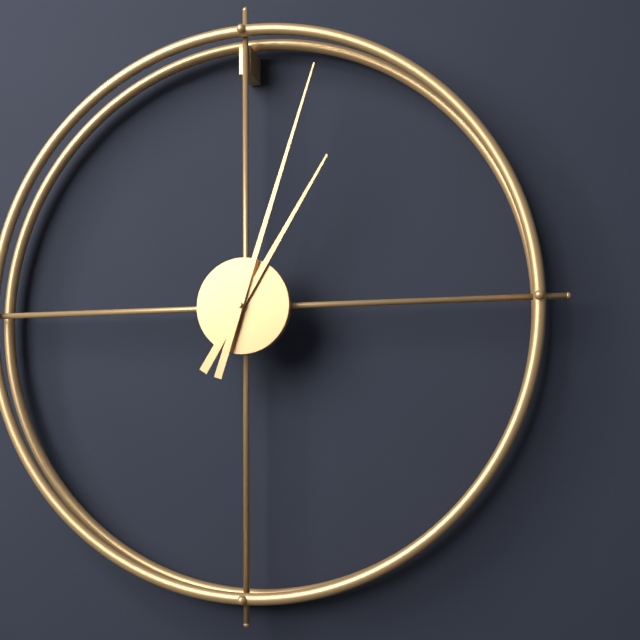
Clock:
h=1 m=3
